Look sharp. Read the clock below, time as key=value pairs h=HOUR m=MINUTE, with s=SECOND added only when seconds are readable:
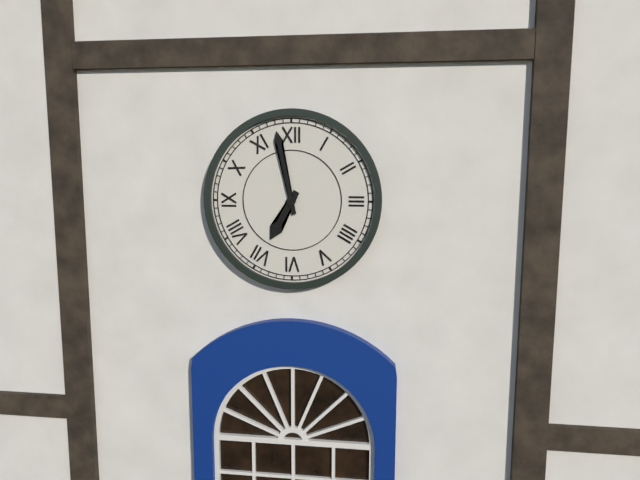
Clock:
h=6 m=58
